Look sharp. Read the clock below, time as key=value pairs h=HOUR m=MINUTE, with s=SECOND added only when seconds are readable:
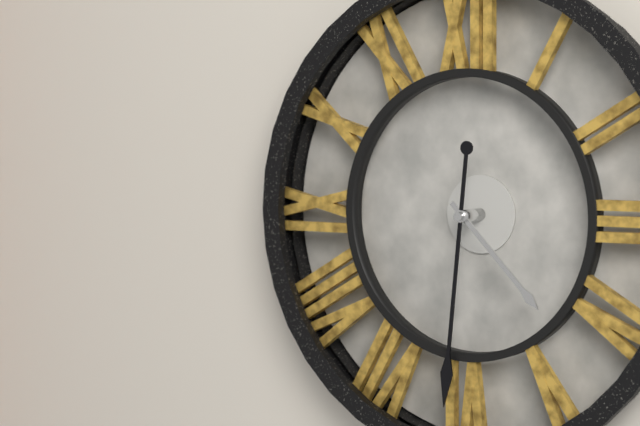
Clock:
h=4 m=31
